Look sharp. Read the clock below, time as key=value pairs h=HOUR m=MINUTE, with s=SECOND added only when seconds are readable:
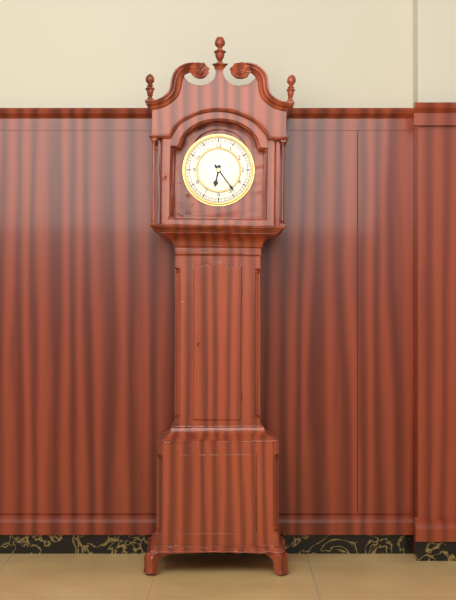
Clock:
h=6 m=24
